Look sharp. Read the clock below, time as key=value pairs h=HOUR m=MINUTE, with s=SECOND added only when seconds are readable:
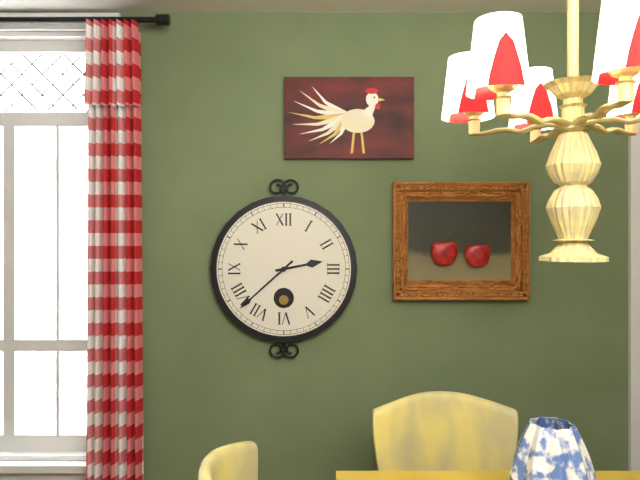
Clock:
h=2 m=38
